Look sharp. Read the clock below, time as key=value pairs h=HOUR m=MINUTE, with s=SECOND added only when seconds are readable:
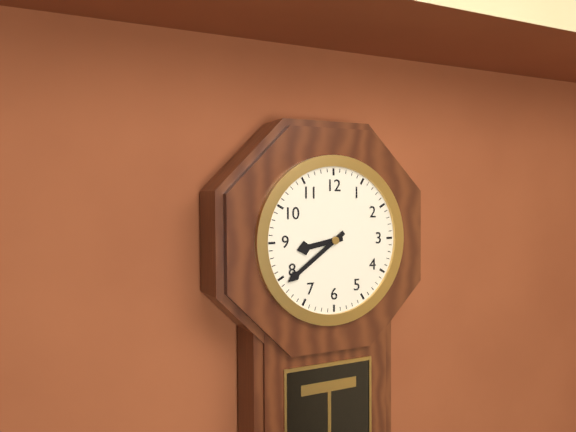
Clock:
h=8 m=39
